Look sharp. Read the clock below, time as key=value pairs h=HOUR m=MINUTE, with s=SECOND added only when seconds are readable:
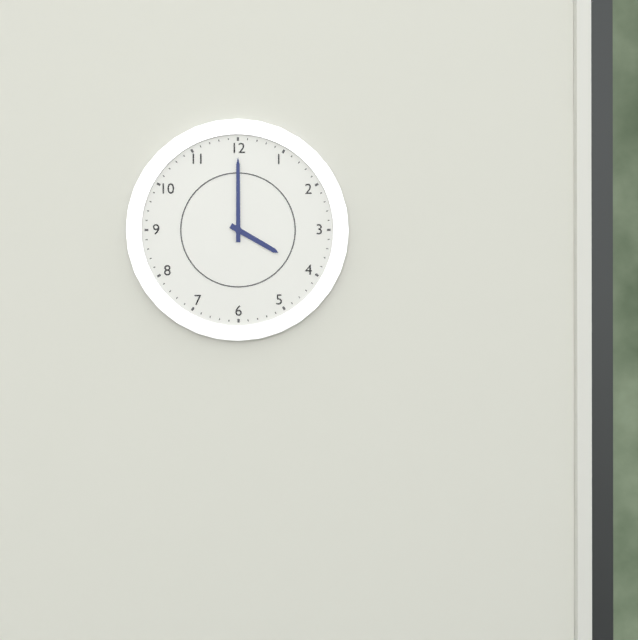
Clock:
h=4 m=0
